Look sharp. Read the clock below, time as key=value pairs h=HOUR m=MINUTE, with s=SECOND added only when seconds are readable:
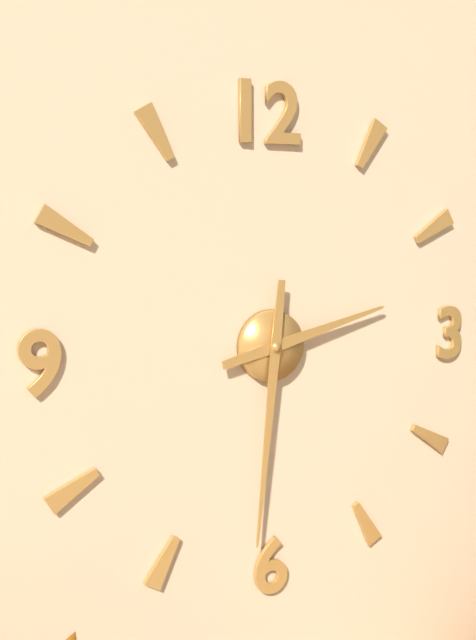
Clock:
h=2 m=31
